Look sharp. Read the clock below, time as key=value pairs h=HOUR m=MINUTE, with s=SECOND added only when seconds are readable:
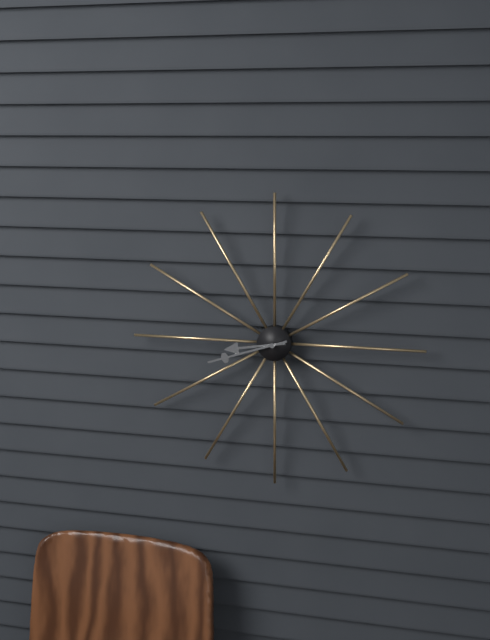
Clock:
h=8 m=42
